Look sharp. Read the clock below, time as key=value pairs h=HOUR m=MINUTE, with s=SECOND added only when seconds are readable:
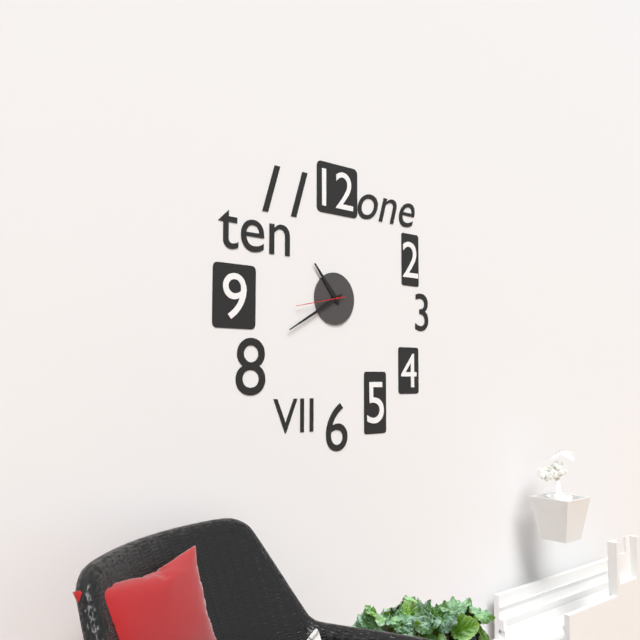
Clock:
h=10 m=40 s=43
